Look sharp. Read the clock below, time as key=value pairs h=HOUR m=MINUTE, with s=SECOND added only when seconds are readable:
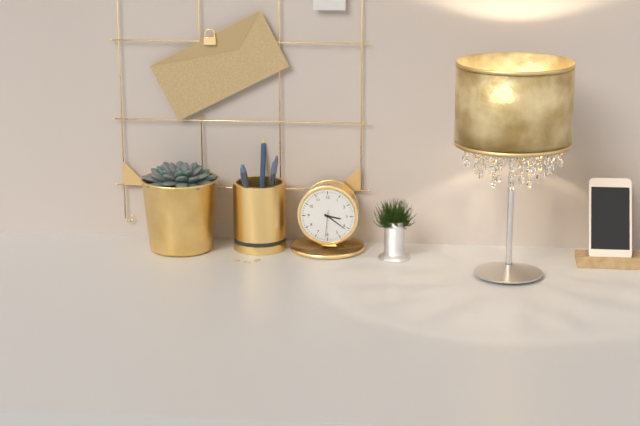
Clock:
h=3 m=21
